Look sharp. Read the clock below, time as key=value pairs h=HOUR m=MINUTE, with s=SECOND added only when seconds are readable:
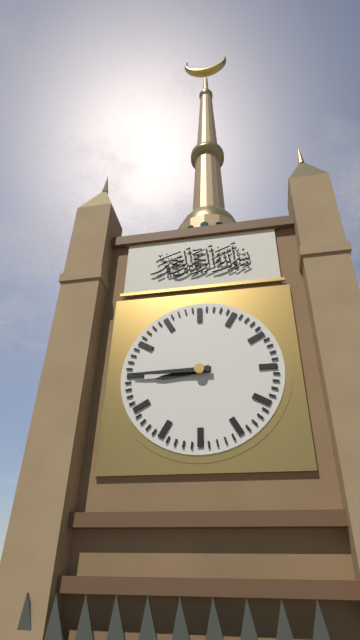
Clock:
h=8 m=45
